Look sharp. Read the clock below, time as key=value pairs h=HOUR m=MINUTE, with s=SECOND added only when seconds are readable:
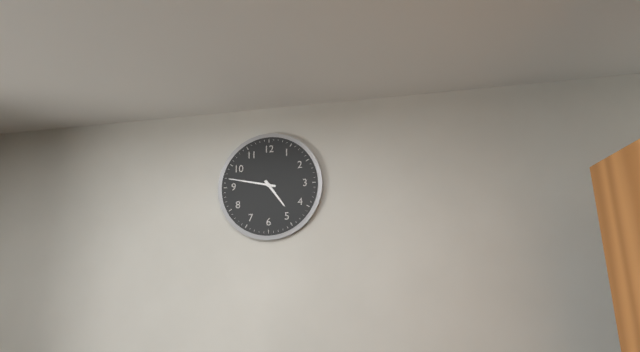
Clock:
h=4 m=47
